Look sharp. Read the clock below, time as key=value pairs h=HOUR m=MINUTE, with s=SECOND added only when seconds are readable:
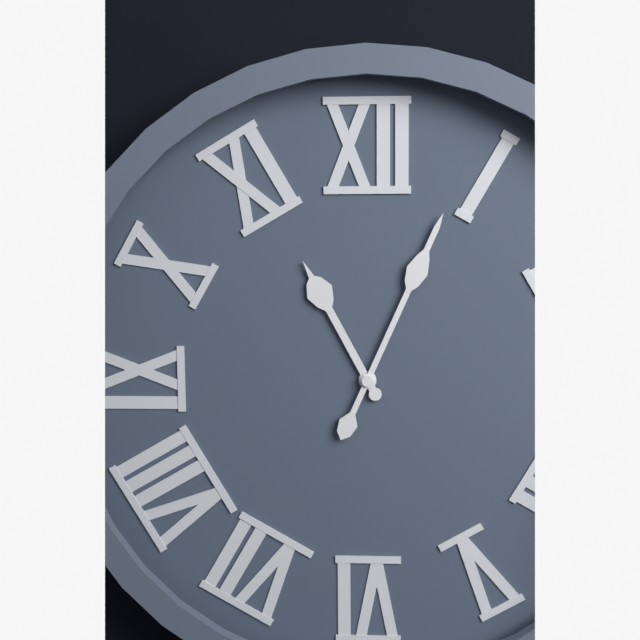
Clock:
h=11 m=4
